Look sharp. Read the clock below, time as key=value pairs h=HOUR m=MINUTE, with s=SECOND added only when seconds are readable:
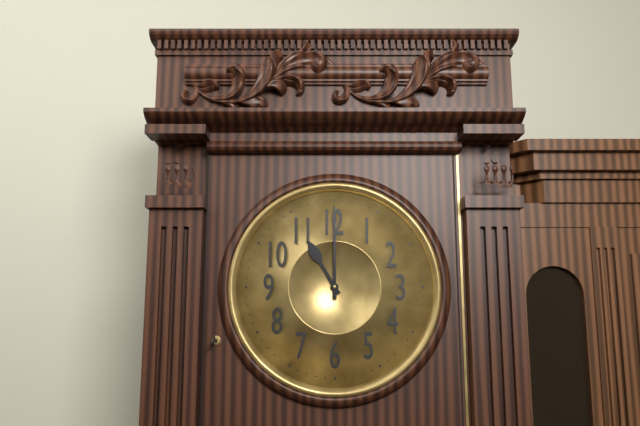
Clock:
h=11 m=0
